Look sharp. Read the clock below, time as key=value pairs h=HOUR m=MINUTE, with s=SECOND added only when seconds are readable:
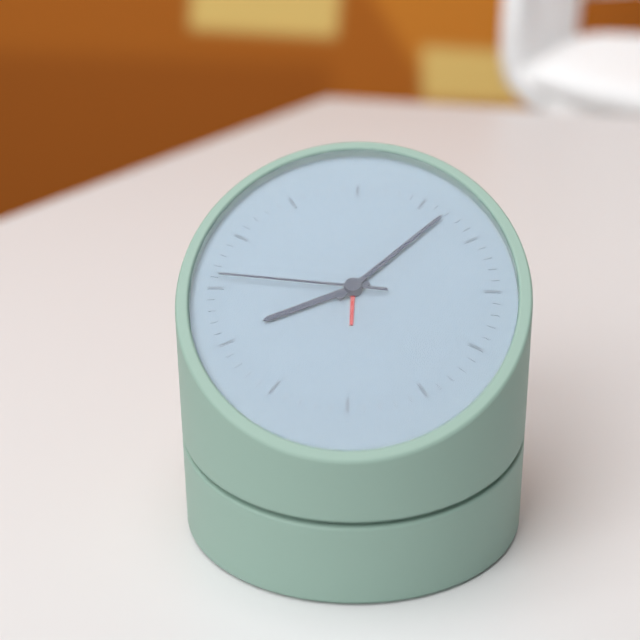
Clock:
h=8 m=7 s=46
